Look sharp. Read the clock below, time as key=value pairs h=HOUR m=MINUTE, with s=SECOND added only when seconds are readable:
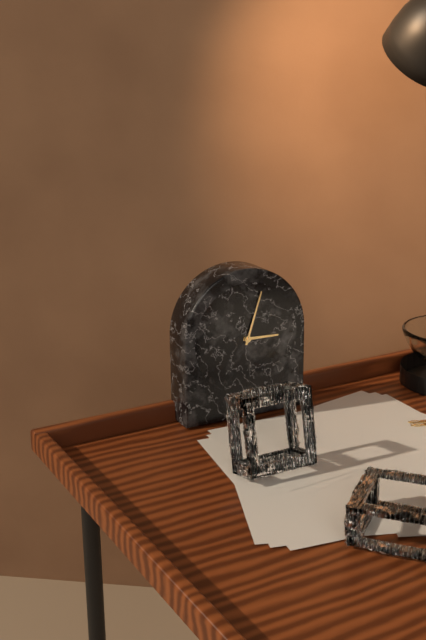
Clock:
h=3 m=3
